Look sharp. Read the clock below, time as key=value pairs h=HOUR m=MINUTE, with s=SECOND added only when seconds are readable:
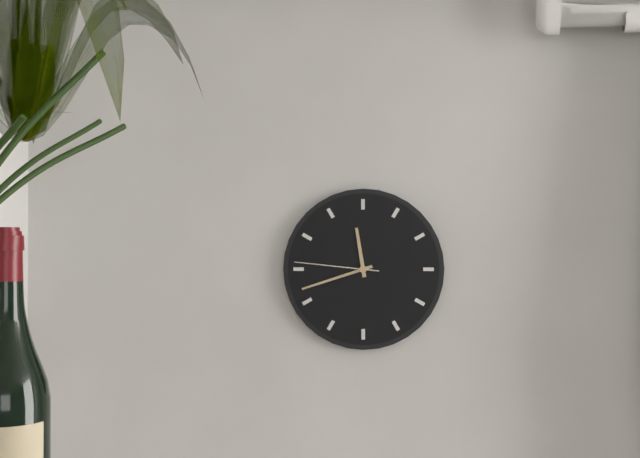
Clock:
h=11 m=42 s=46
